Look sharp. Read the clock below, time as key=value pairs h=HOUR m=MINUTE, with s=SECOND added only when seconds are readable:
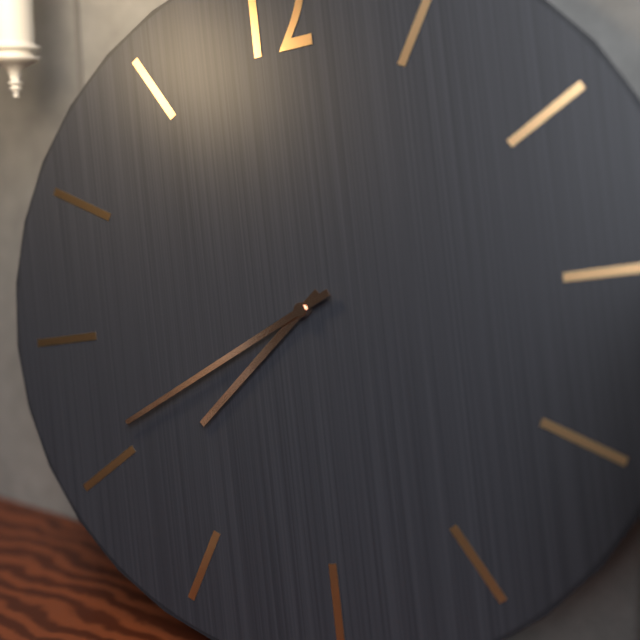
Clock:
h=7 m=41
